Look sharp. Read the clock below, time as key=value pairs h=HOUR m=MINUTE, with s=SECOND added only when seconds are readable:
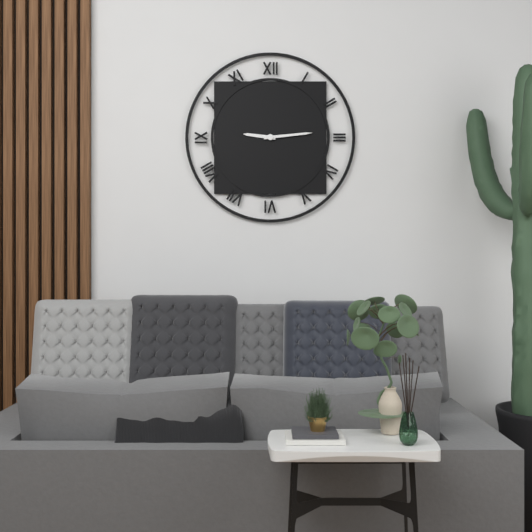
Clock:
h=9 m=14
